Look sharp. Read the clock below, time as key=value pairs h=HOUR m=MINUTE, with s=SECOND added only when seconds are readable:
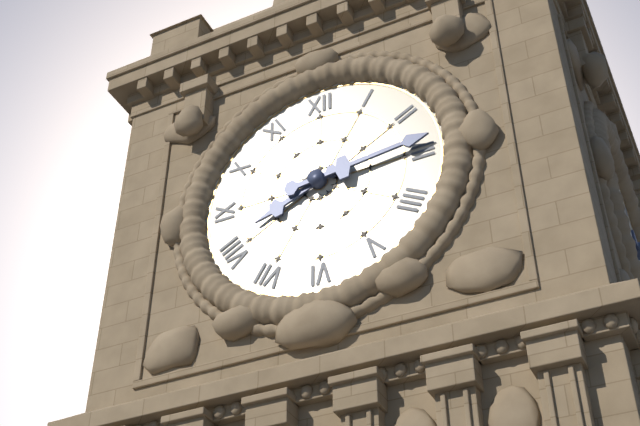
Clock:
h=8 m=14
